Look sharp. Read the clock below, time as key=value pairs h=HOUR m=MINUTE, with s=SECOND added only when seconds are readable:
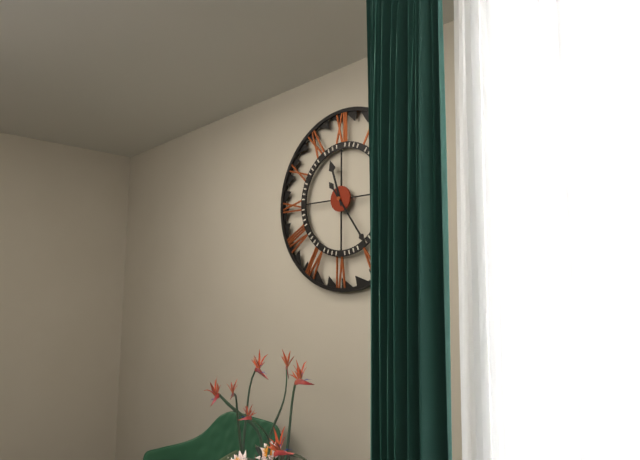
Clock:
h=11 m=24
